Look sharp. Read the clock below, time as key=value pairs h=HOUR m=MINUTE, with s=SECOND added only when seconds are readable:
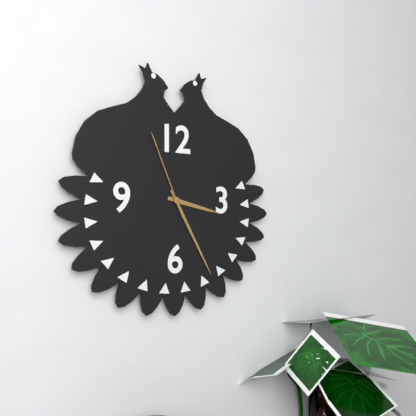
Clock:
h=3 m=25 s=56
